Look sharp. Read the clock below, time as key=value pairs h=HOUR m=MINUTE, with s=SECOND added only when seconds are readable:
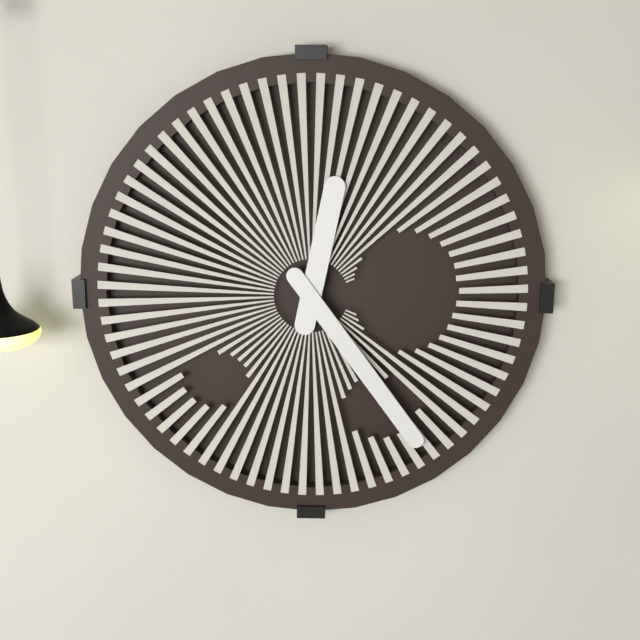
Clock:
h=12 m=24
